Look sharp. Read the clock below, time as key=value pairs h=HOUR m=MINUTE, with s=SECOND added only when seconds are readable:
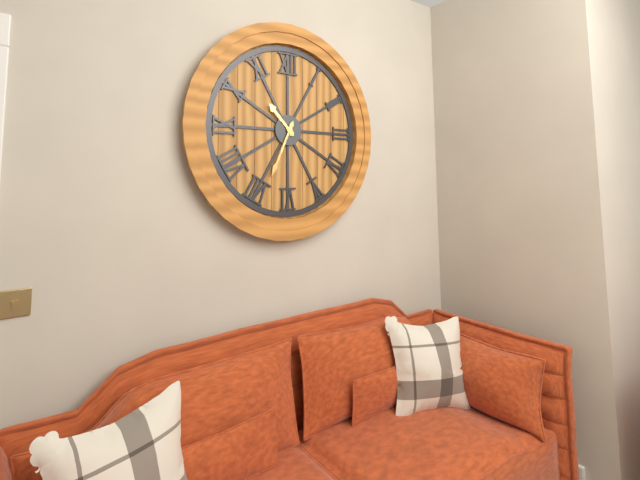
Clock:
h=10 m=34
